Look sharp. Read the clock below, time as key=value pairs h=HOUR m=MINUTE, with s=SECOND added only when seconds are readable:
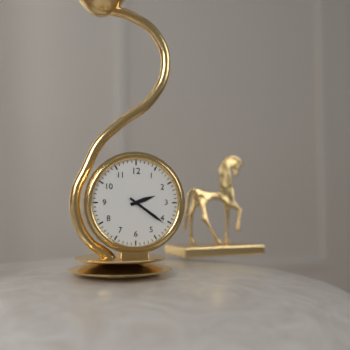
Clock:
h=2 m=21
